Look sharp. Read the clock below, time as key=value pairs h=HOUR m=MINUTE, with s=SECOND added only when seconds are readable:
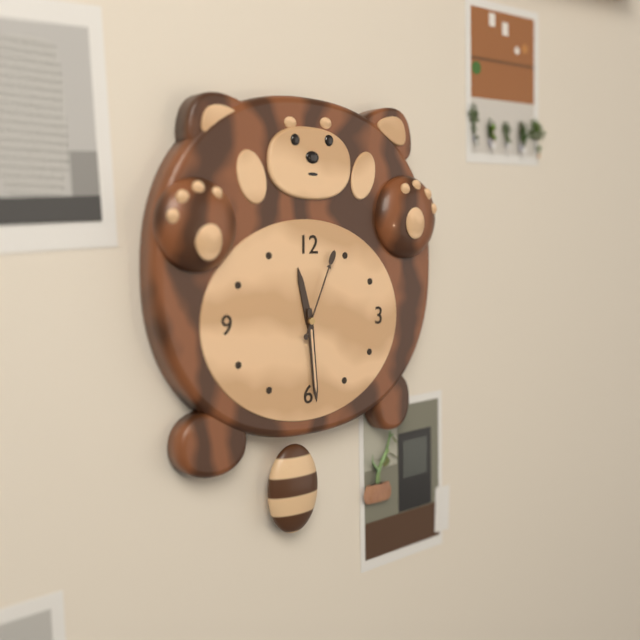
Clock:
h=11 m=29 s=4
